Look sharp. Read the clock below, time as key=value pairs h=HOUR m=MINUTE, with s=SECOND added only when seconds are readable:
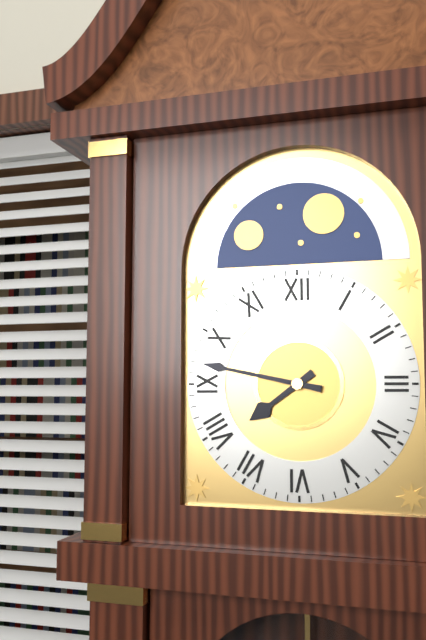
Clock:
h=7 m=47
